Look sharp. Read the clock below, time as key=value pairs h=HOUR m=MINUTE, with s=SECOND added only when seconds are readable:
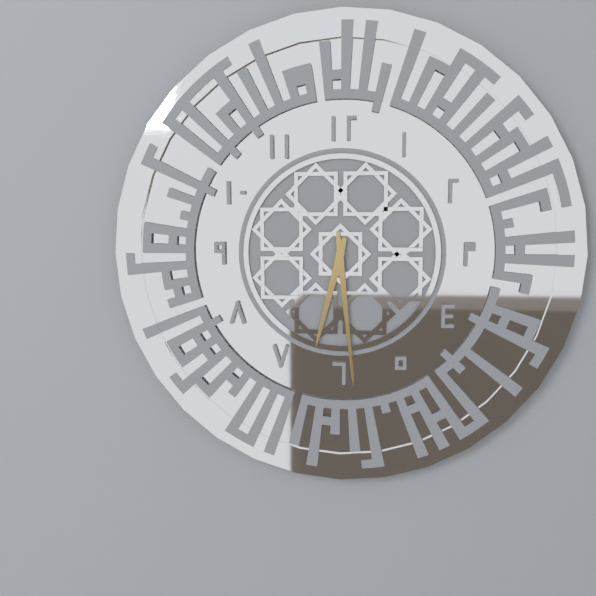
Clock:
h=6 m=29
